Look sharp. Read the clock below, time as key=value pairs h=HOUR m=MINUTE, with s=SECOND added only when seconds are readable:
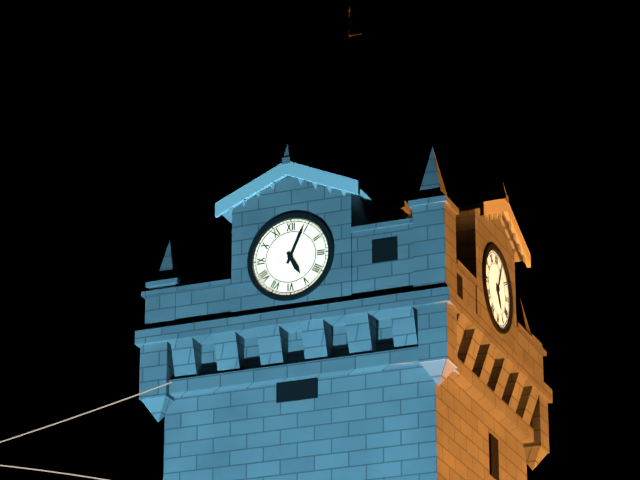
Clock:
h=5 m=4
